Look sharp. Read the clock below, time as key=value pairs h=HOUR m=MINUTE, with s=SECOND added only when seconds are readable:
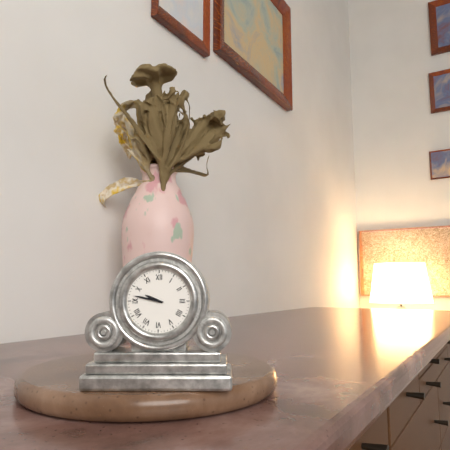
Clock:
h=9 m=47
